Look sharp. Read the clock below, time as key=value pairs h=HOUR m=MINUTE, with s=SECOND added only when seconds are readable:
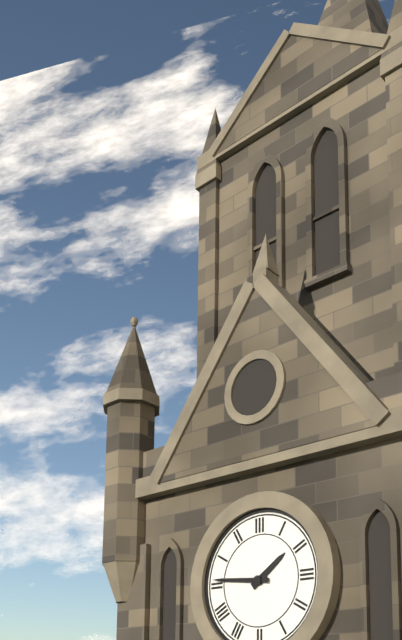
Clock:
h=1 m=46
